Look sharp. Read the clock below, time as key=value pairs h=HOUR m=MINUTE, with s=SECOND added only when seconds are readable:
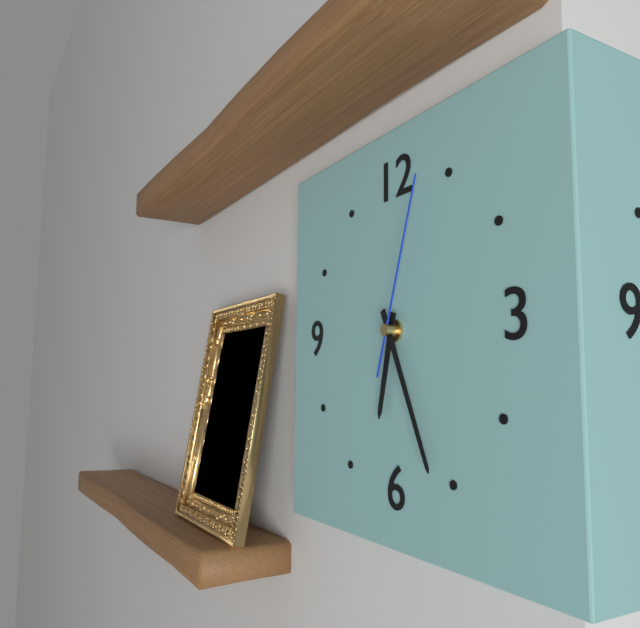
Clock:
h=6 m=26 s=3
